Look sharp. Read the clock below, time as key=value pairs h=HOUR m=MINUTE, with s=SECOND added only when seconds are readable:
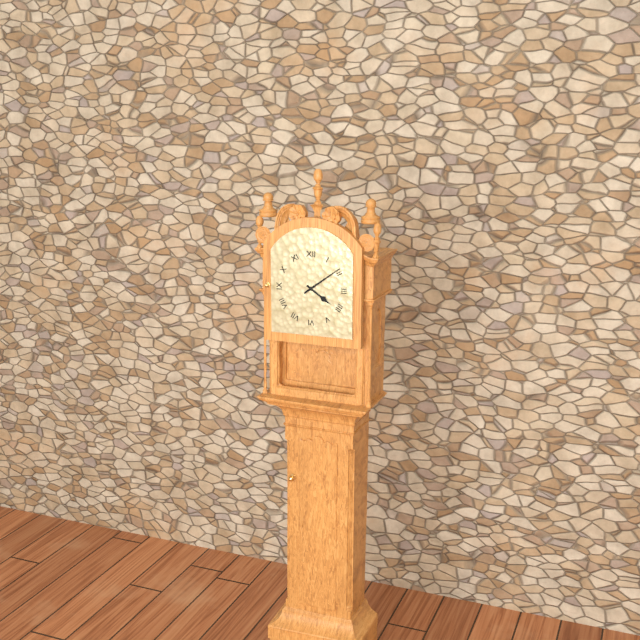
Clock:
h=4 m=9
